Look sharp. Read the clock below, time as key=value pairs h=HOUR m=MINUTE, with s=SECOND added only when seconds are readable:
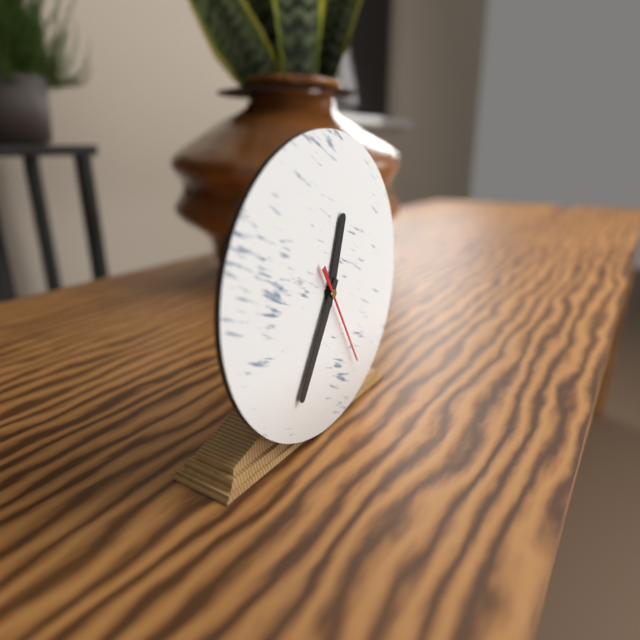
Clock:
h=12 m=35 s=25
